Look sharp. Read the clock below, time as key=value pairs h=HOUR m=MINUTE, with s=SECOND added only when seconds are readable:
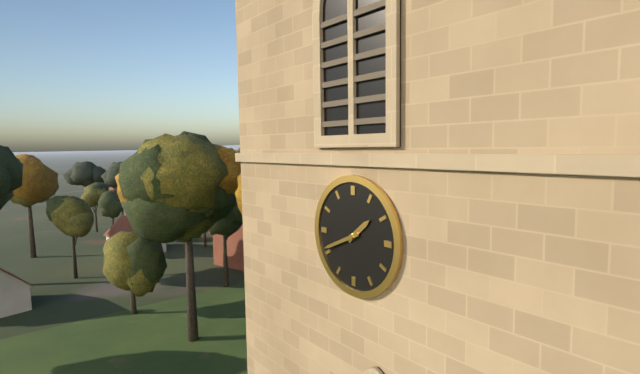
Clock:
h=1 m=41
